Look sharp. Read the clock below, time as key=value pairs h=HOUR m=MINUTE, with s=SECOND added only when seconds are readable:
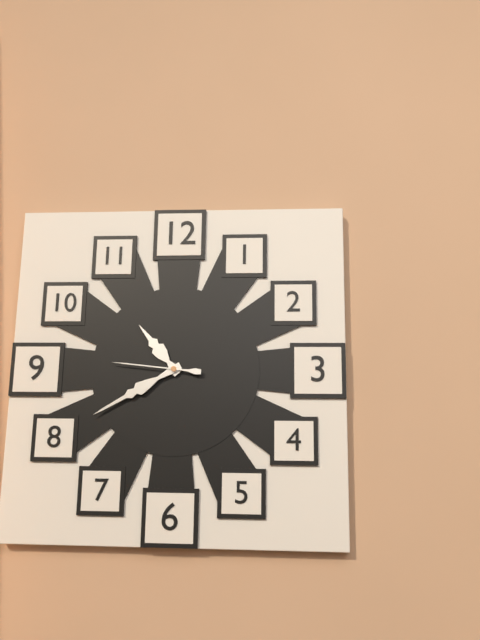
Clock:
h=10 m=40 s=46
